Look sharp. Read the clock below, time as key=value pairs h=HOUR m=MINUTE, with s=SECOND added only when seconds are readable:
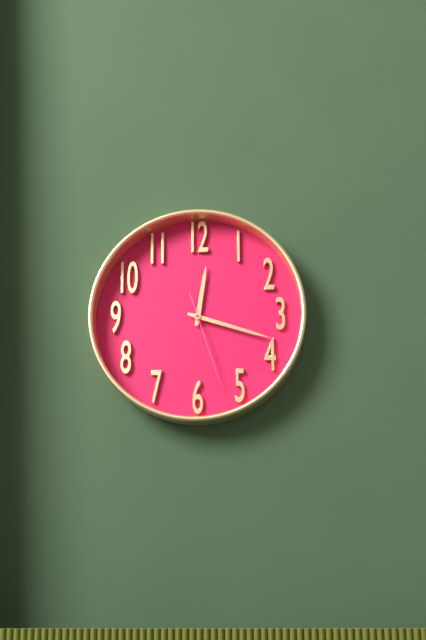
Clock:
h=12 m=18 s=27
